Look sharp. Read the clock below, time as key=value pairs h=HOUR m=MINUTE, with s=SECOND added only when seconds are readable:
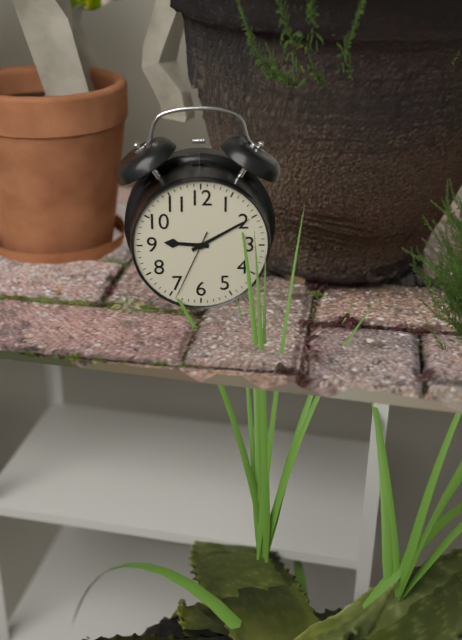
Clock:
h=9 m=10 s=34
